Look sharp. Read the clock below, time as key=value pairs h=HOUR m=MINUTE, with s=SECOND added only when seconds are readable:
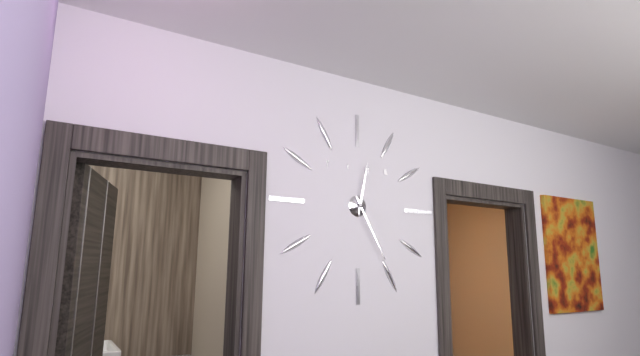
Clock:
h=12 m=25
